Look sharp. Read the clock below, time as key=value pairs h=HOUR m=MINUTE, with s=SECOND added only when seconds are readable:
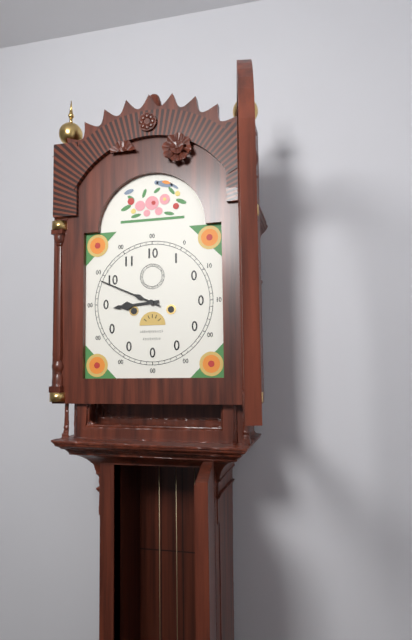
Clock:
h=8 m=49
